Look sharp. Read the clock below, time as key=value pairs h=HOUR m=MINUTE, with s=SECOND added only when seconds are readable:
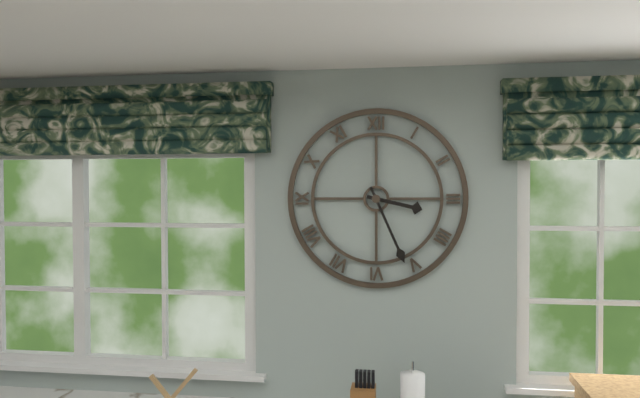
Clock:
h=3 m=26
